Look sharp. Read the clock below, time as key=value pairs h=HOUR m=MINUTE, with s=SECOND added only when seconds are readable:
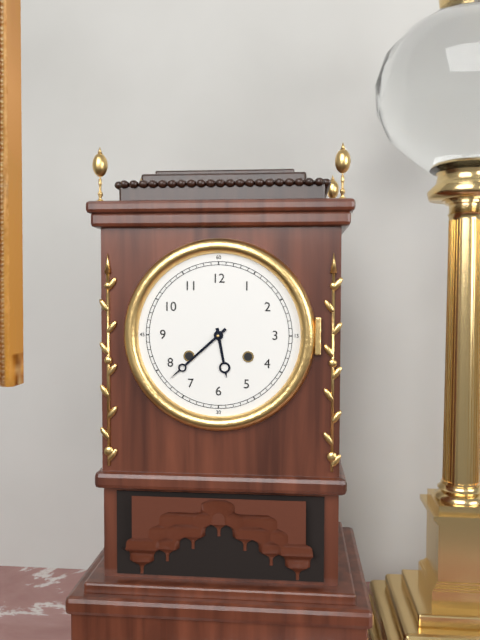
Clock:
h=5 m=38
